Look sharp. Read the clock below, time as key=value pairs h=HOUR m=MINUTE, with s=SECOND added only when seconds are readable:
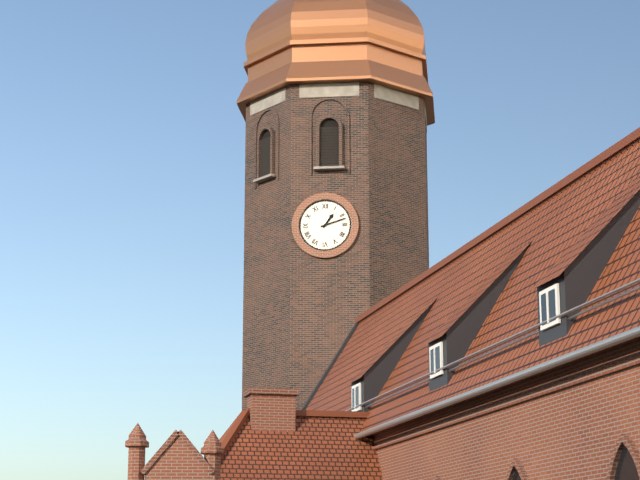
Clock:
h=1 m=12
